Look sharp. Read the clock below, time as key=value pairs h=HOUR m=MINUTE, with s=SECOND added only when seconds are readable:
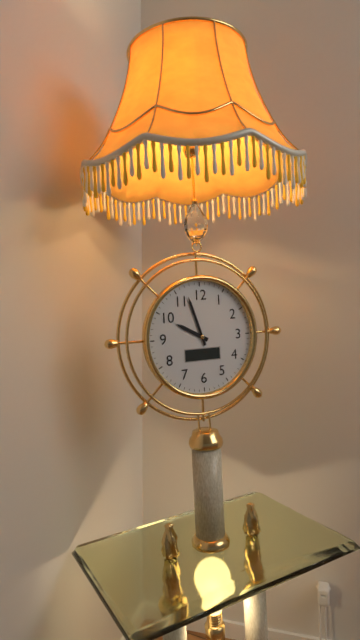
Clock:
h=9 m=57
